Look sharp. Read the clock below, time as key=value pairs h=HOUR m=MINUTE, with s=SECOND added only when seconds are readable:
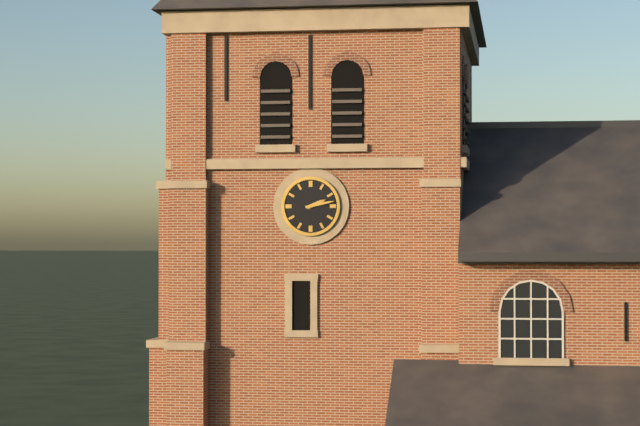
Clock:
h=2 m=13
